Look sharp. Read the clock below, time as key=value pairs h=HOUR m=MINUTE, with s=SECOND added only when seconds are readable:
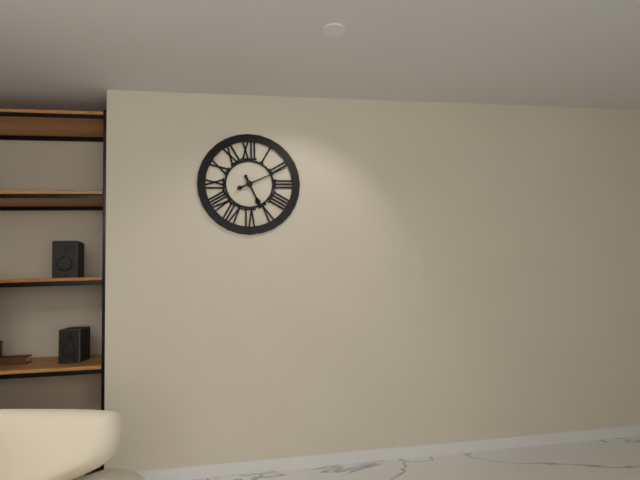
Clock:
h=5 m=11
